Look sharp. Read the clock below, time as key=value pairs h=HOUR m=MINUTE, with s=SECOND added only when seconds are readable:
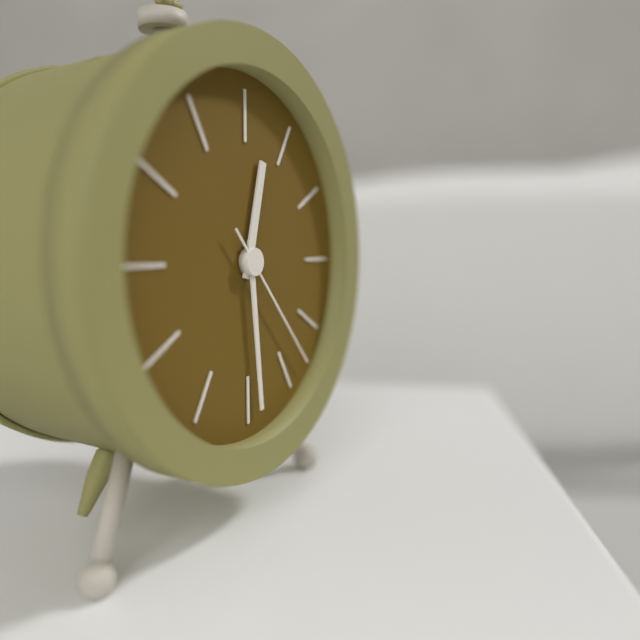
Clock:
h=12 m=29 s=23
